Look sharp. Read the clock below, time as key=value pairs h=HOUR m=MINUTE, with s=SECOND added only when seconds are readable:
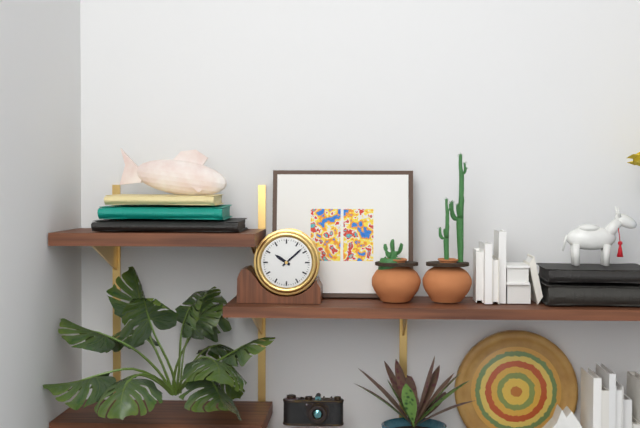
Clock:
h=10 m=8
